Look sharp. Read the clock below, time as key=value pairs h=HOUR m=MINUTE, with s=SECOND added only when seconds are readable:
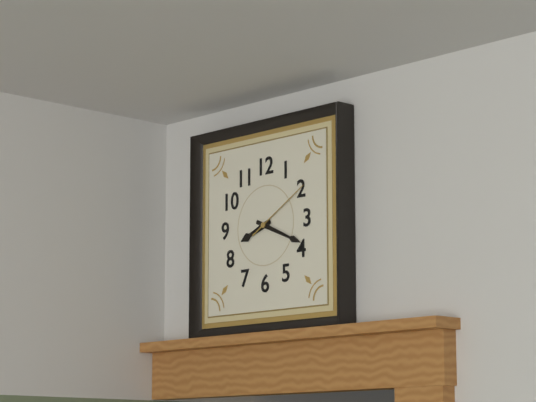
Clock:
h=8 m=19 s=10
